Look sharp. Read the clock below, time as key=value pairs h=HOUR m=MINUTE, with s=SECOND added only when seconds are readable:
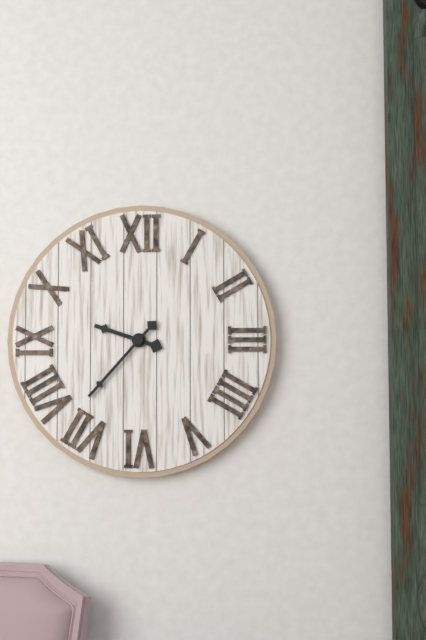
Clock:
h=9 m=37
